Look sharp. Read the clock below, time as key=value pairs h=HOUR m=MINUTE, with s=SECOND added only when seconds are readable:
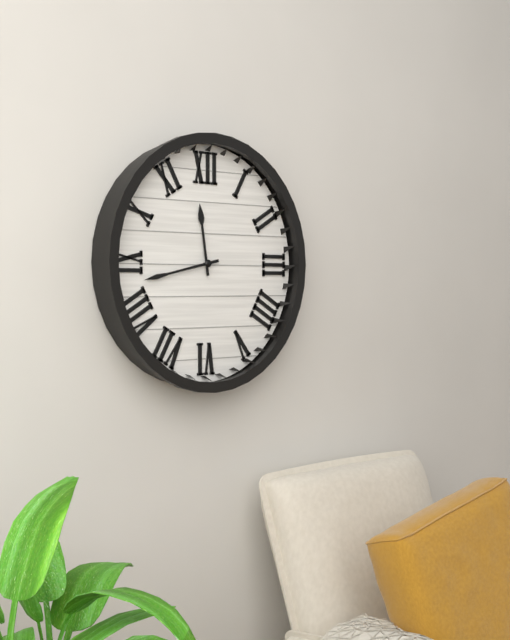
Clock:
h=11 m=43
